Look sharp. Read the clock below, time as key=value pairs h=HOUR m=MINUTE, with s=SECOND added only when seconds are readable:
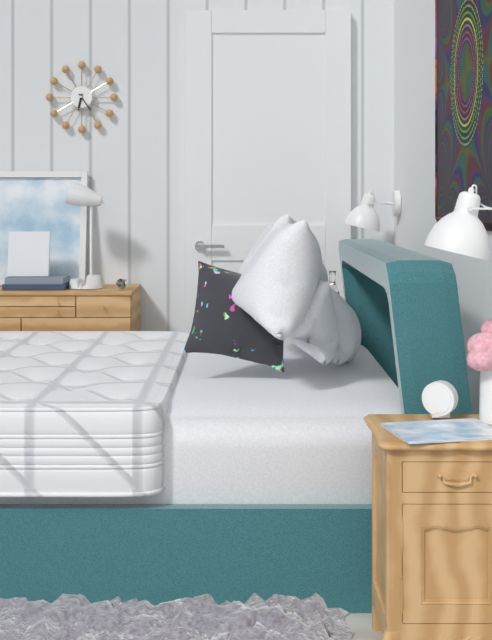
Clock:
h=6 m=24
